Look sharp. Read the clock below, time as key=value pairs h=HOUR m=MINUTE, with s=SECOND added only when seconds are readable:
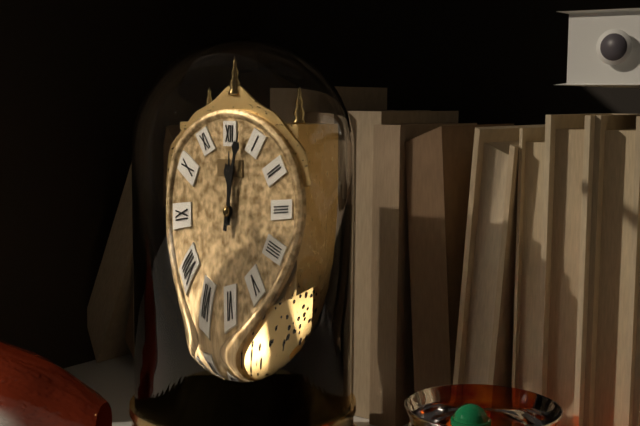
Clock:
h=12 m=2
